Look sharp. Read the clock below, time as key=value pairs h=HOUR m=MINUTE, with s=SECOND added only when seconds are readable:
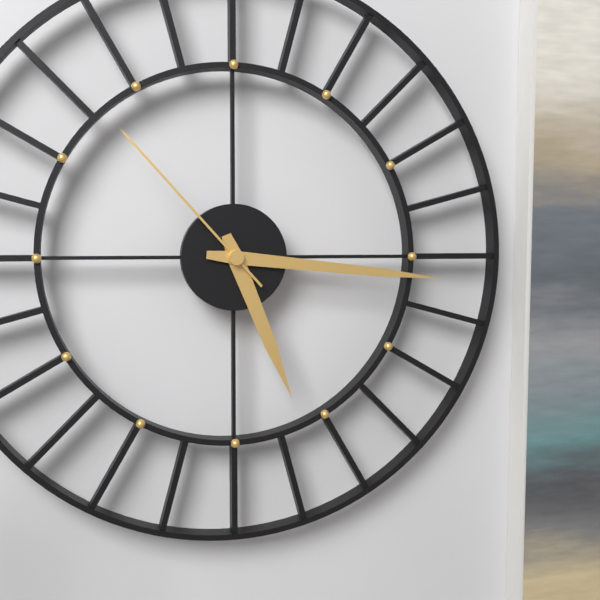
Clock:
h=5 m=16 s=53
